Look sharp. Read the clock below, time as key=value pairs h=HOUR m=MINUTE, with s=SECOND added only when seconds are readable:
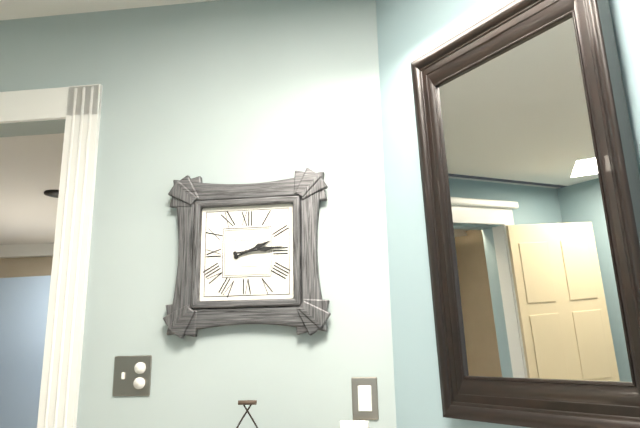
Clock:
h=2 m=14
